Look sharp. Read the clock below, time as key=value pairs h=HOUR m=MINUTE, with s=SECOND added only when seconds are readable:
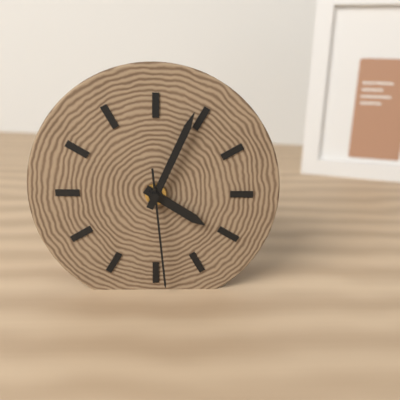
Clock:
h=4 m=4 s=29
